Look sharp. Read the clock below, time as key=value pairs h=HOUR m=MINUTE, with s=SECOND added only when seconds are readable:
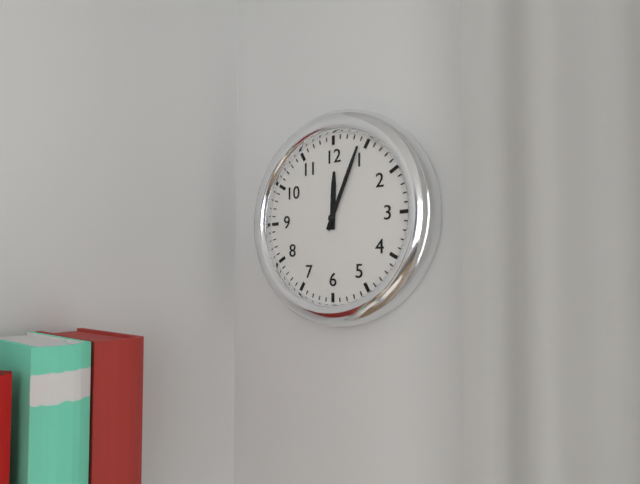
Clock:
h=12 m=4
